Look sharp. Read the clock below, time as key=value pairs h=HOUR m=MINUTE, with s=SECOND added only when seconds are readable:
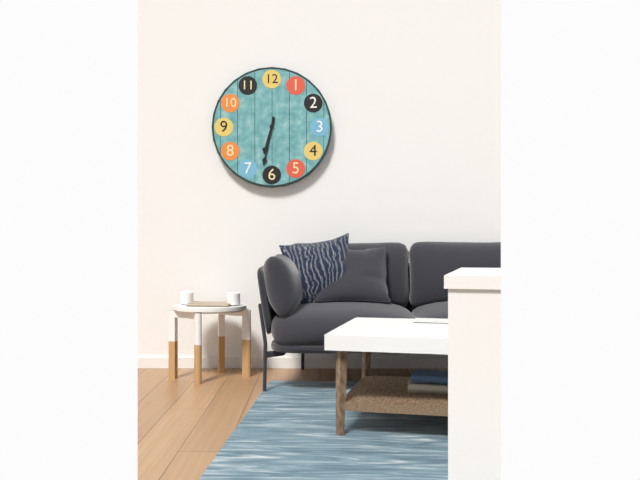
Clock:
h=6 m=32
